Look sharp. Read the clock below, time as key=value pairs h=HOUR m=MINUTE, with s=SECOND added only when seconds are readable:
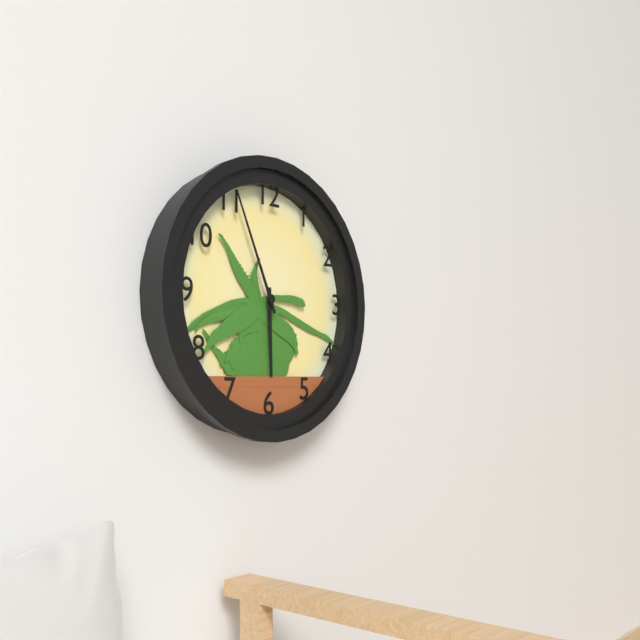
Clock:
h=5 m=56
